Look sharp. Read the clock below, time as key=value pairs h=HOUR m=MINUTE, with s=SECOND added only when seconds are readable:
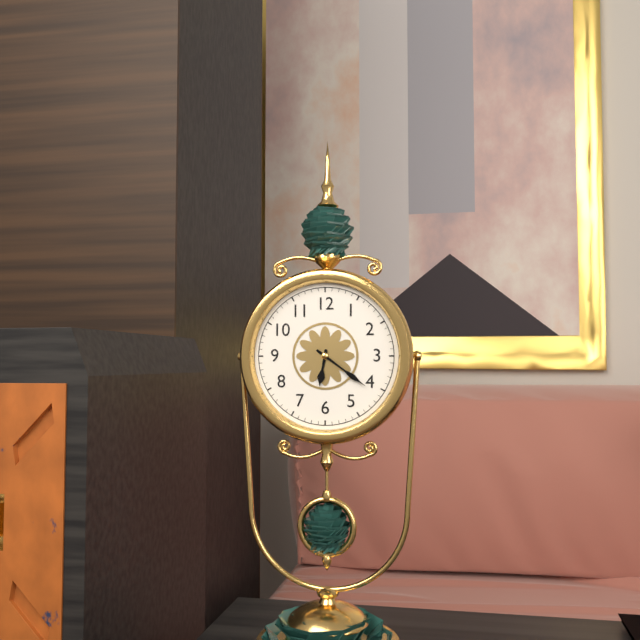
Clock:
h=6 m=21
